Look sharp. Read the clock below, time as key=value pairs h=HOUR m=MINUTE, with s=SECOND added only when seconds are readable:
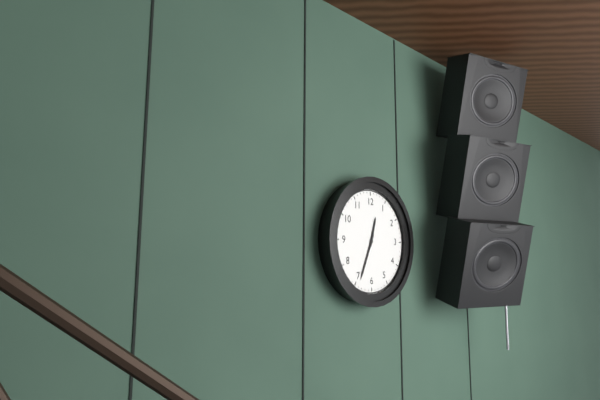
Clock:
h=12 m=34
